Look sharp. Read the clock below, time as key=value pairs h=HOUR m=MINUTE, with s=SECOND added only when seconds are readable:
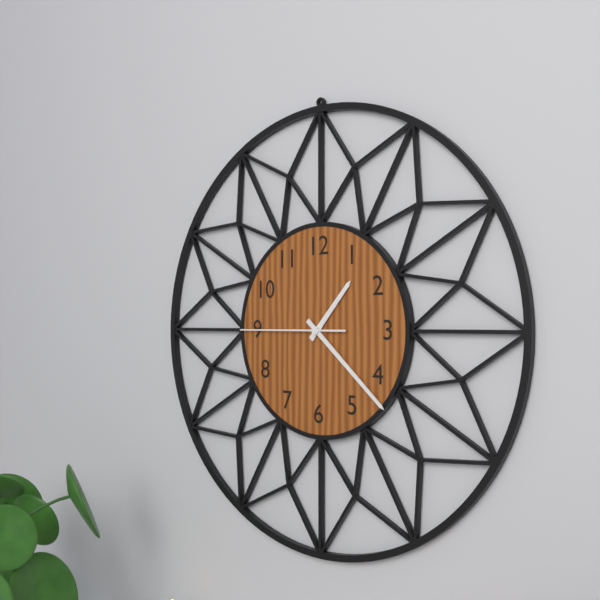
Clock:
h=1 m=22 s=45
